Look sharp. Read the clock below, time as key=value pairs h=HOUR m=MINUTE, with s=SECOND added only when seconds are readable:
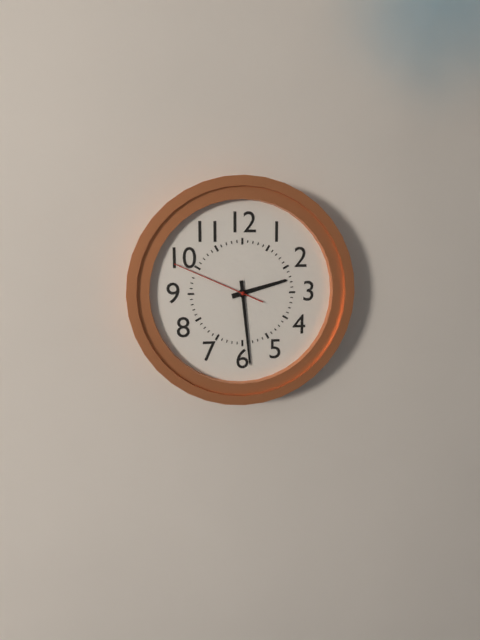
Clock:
h=2 m=29 s=49
